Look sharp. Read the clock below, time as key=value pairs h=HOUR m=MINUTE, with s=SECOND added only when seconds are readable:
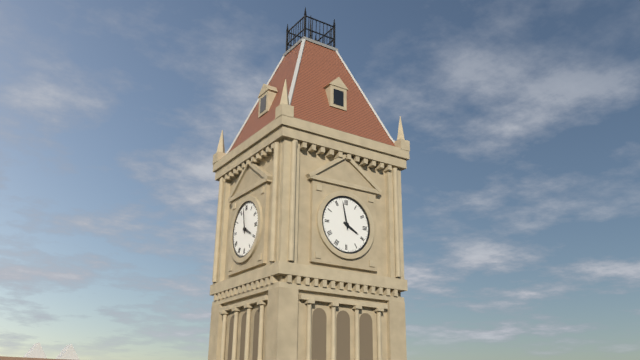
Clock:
h=3 m=58
